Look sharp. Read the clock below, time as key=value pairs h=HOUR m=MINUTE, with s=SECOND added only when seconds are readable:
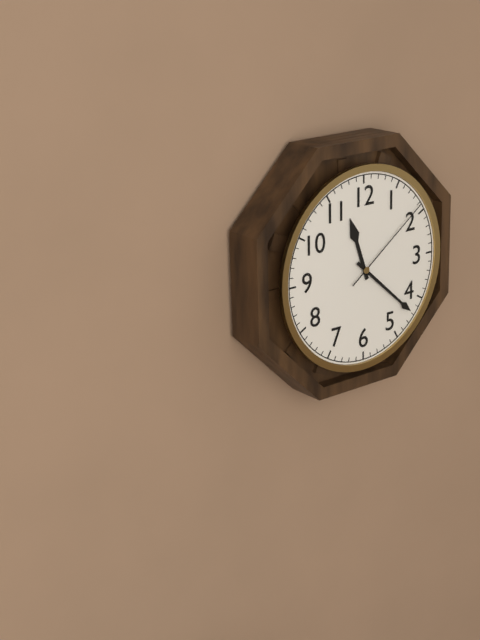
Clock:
h=11 m=22 s=9
